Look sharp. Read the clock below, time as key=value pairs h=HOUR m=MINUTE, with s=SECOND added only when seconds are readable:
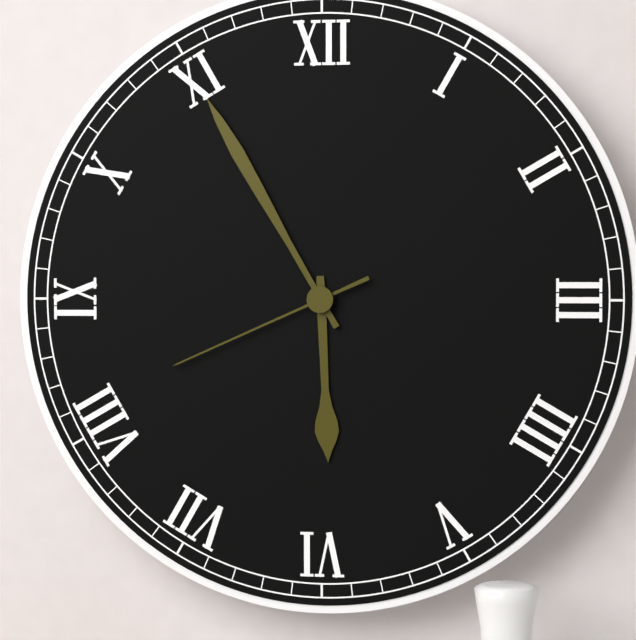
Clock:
h=5 m=55 s=41
